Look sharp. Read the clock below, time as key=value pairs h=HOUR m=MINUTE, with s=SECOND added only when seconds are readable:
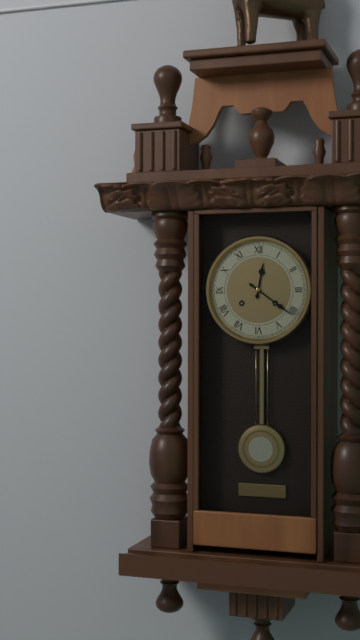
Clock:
h=12 m=21
